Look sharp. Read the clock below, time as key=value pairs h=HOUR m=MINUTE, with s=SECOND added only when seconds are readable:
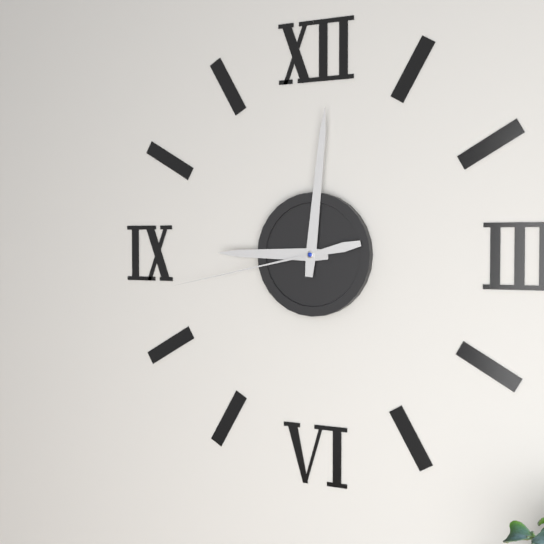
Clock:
h=9 m=1 s=43
